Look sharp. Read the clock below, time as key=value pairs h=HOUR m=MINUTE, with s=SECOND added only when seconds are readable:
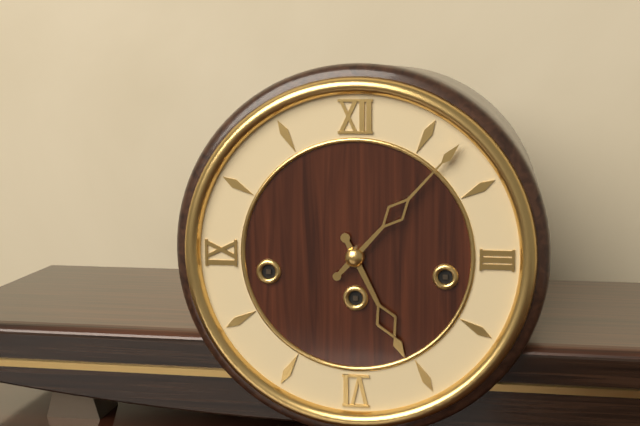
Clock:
h=5 m=7
